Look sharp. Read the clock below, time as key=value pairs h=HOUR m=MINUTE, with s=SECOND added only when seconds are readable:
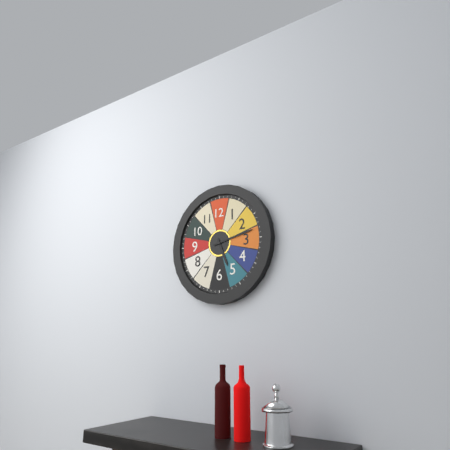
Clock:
h=5 m=13
